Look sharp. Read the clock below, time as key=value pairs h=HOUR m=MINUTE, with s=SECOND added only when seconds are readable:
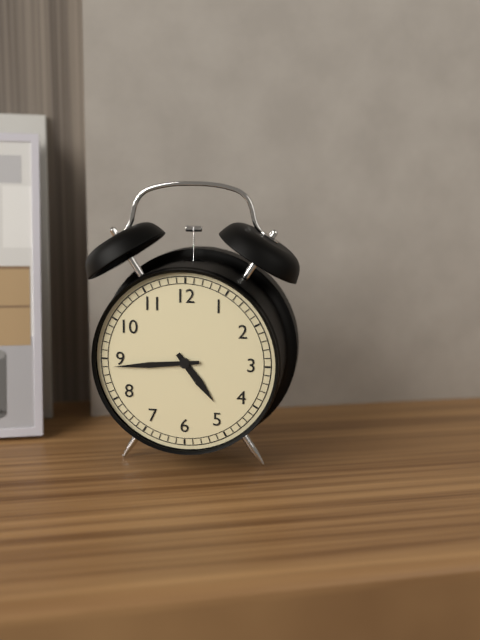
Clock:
h=4 m=44
